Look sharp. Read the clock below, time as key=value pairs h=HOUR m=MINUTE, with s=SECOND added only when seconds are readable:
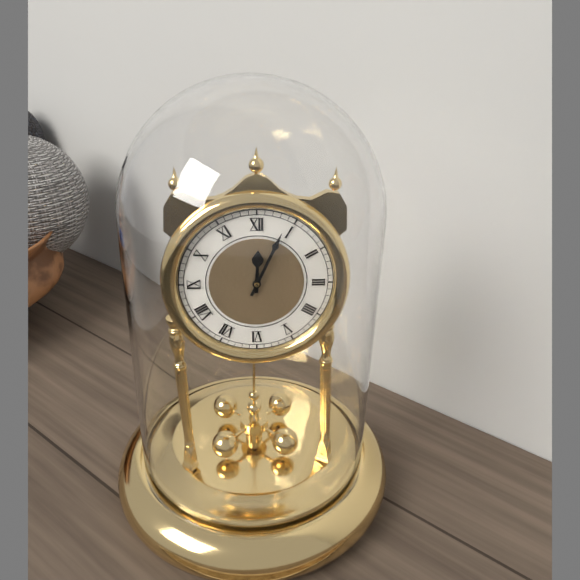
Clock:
h=12 m=4
